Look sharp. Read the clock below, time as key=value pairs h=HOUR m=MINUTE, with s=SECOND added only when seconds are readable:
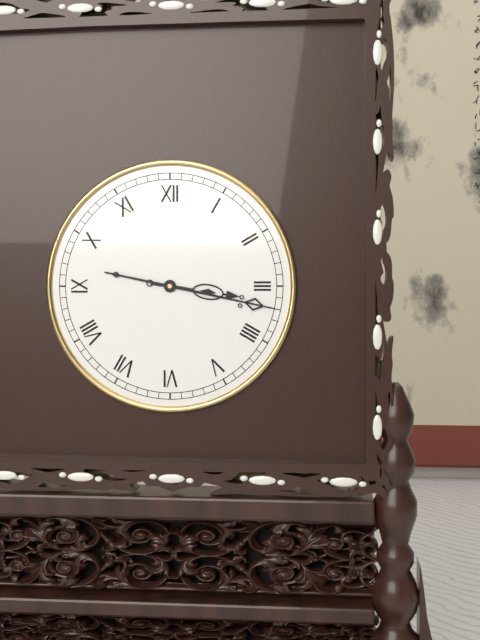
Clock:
h=3 m=17
